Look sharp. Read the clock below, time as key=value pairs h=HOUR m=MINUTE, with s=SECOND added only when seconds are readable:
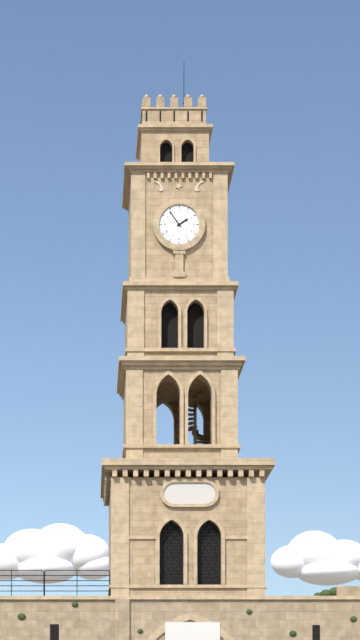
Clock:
h=1 m=54
